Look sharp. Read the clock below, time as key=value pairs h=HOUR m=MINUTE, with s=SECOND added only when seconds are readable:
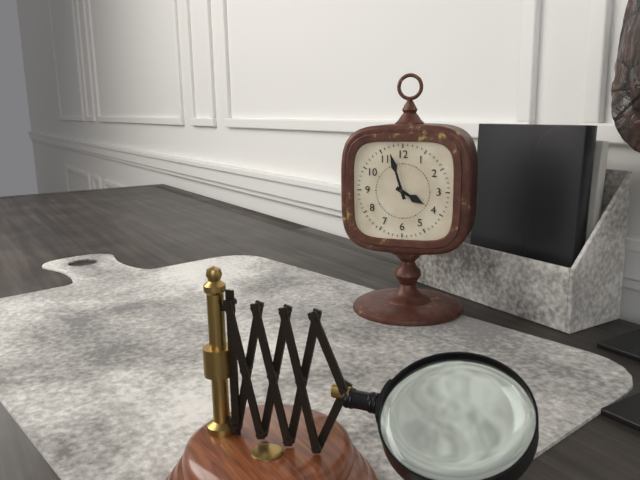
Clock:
h=3 m=57
